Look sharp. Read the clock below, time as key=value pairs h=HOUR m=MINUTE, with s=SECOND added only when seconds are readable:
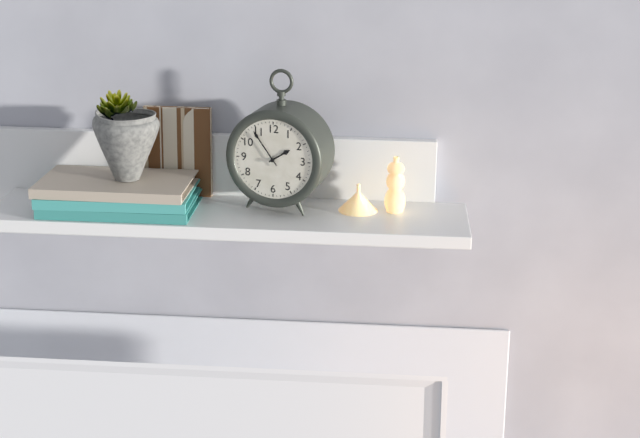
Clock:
h=1 m=54
